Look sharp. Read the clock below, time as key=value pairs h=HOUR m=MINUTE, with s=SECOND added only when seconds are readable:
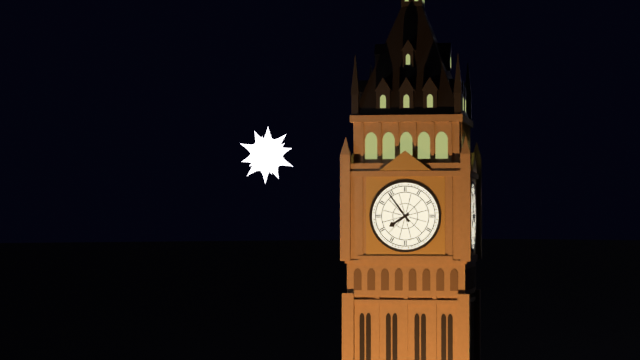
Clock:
h=7 m=54
